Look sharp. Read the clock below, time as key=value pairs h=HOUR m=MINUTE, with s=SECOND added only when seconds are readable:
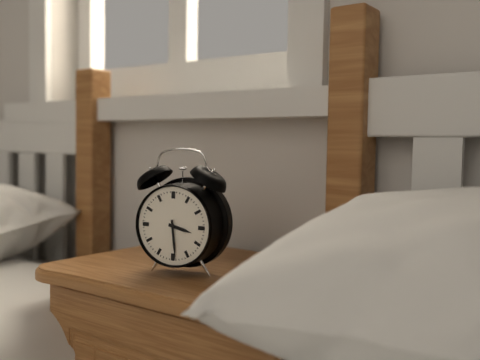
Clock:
h=3 m=29
